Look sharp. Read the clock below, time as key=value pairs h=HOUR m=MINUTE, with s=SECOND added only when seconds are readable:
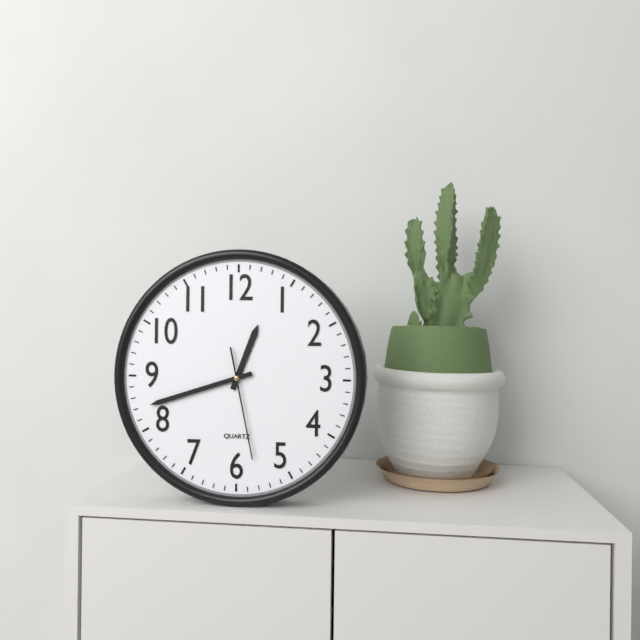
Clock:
h=12 m=42 s=28
